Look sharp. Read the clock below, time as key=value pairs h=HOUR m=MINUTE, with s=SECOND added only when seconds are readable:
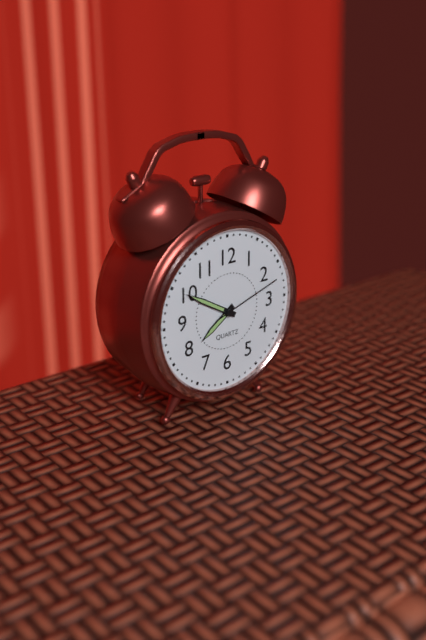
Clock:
h=7 m=50 s=12
